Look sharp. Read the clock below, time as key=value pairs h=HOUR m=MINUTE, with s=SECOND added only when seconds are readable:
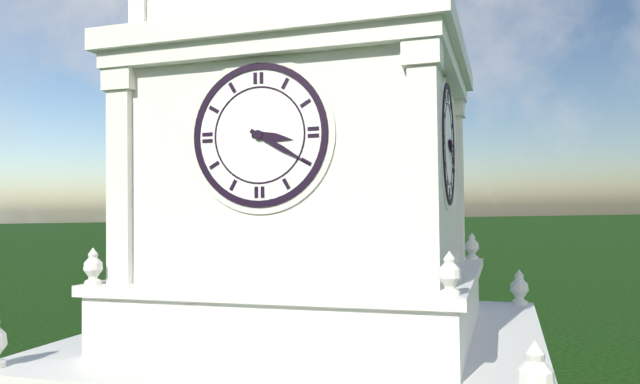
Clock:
h=3 m=20
